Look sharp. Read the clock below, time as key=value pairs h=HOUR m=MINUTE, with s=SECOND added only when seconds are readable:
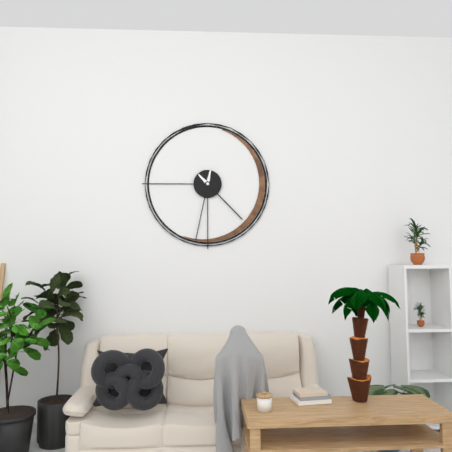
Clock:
h=4 m=32
